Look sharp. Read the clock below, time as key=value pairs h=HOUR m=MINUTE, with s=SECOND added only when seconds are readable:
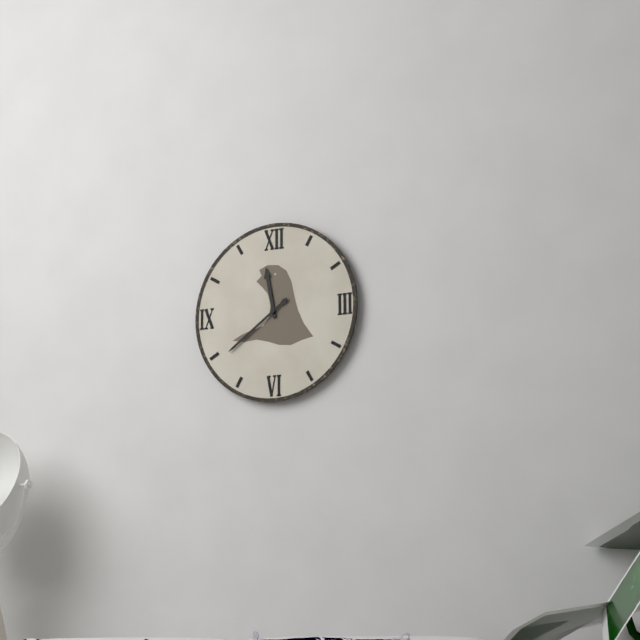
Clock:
h=11 m=39
